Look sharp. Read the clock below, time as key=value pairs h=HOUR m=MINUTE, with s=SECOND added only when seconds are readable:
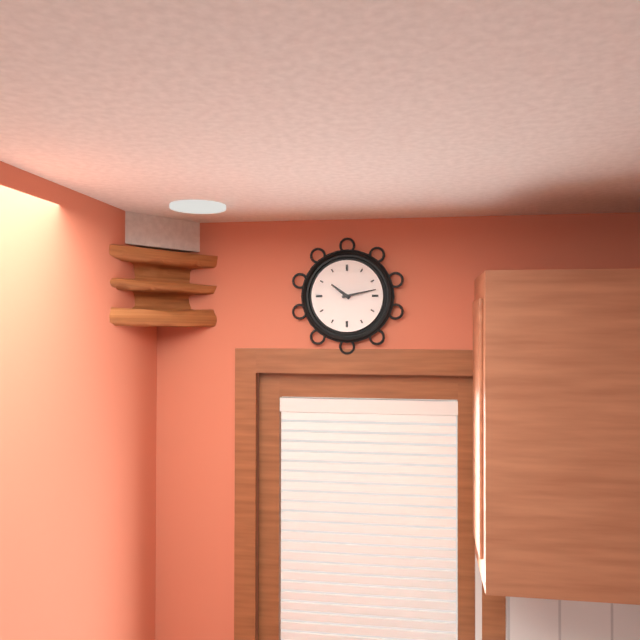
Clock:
h=10 m=13
